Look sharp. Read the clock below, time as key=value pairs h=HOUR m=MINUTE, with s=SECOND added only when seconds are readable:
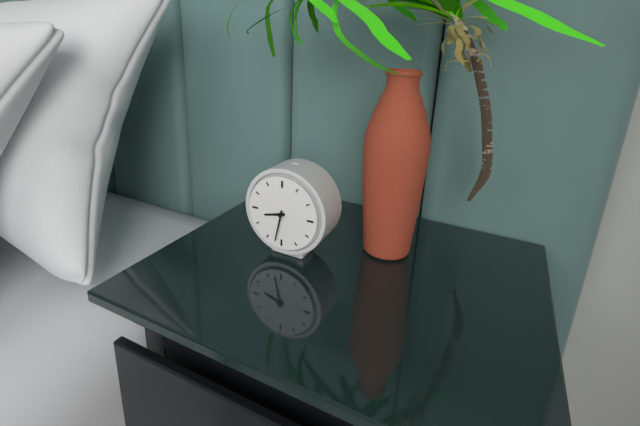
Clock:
h=8 m=32
